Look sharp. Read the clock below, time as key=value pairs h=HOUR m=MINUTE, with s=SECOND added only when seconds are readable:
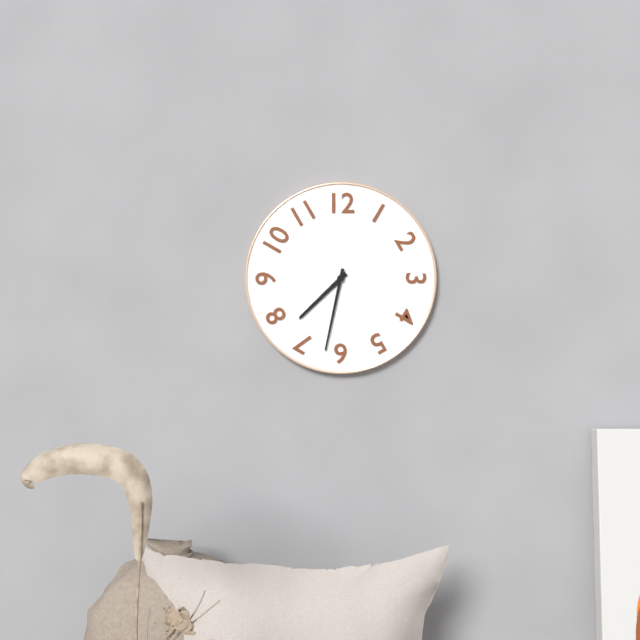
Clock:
h=7 m=32
